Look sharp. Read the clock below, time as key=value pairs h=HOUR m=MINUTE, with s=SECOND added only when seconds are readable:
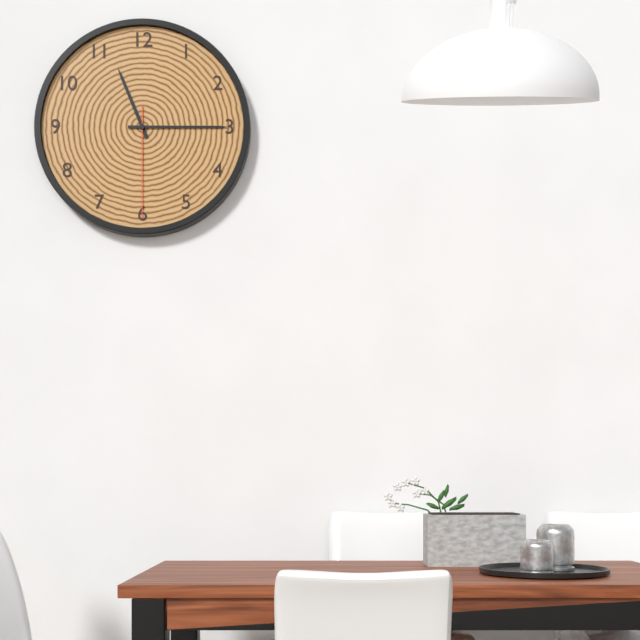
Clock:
h=11 m=15 s=30
